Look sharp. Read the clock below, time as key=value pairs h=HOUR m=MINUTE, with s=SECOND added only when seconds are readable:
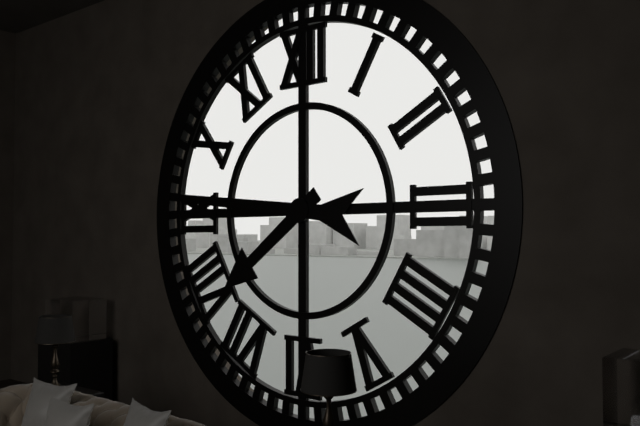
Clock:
h=7 m=46
